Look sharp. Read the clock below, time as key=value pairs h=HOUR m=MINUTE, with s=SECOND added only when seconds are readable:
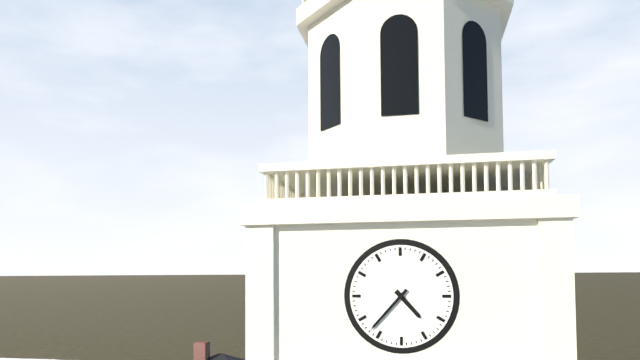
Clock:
h=4 m=37
